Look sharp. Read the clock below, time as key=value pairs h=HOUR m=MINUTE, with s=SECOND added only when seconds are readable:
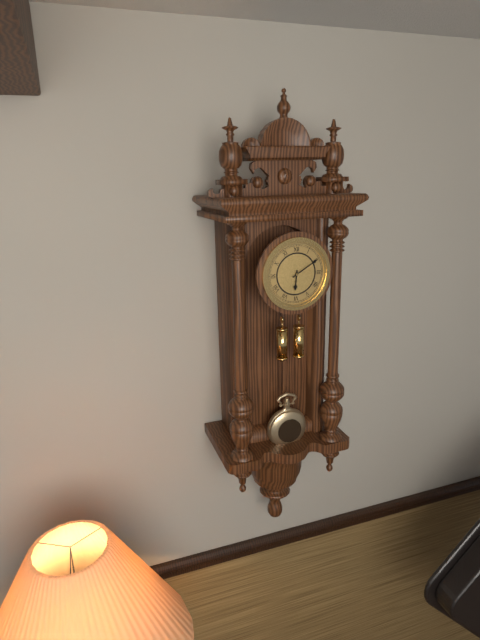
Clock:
h=6 m=10
